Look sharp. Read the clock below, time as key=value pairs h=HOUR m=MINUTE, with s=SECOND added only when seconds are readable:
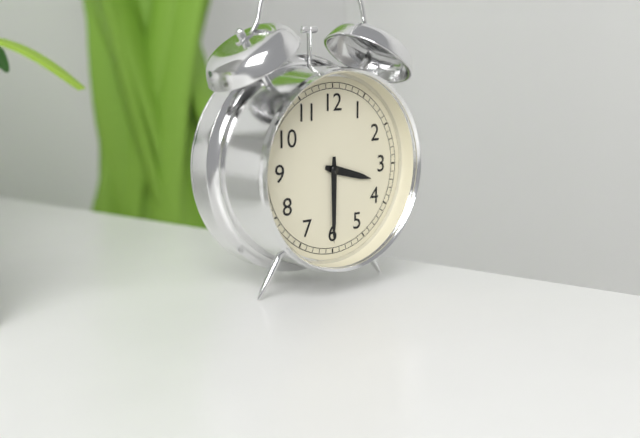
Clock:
h=3 m=30
